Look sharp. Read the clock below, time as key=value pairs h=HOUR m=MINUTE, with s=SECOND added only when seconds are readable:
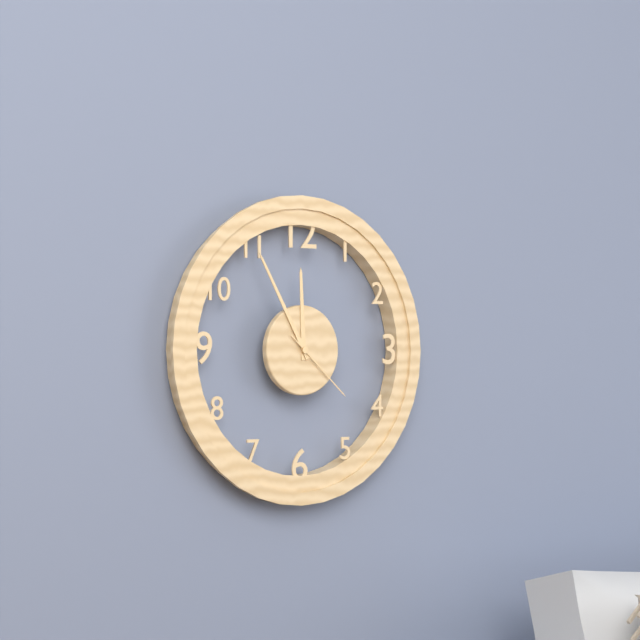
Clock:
h=11 m=55 s=22
